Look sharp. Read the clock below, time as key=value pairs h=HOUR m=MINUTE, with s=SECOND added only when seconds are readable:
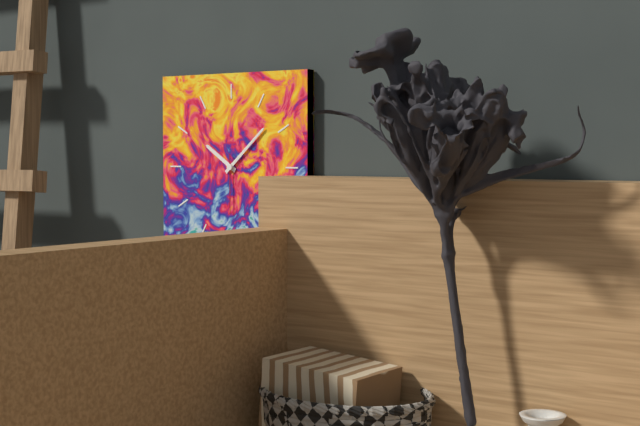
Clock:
h=10 m=8 s=30
